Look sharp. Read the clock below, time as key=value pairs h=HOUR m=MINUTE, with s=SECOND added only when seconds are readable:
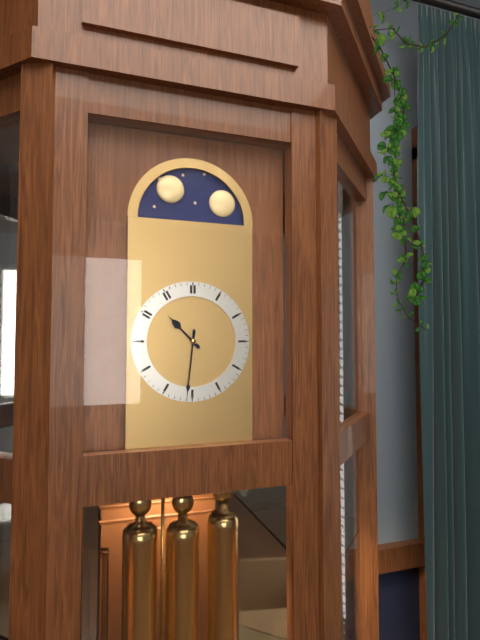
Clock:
h=10 m=31
